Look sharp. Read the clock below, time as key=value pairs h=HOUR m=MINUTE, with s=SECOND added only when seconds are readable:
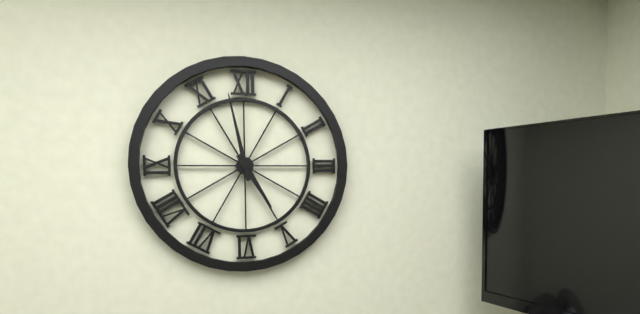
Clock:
h=4 m=58
